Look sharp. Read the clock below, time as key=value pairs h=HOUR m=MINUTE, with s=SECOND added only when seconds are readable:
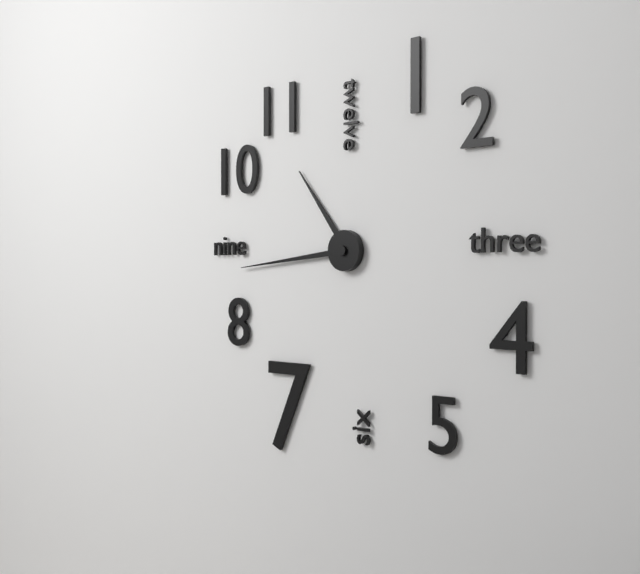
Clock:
h=10 m=44
